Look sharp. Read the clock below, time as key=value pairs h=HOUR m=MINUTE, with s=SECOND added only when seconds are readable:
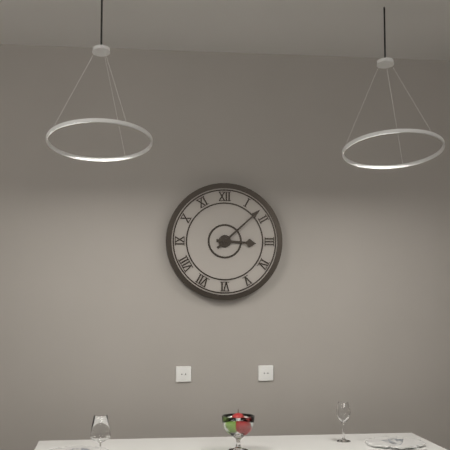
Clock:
h=3 m=8
